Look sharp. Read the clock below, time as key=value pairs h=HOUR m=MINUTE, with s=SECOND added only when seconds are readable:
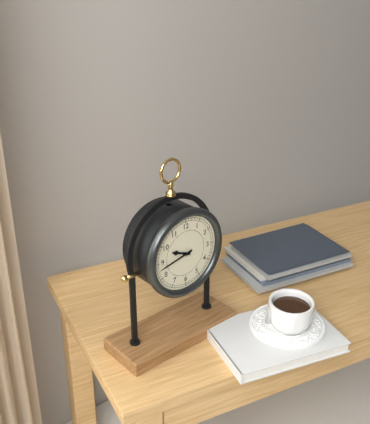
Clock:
h=9 m=43
